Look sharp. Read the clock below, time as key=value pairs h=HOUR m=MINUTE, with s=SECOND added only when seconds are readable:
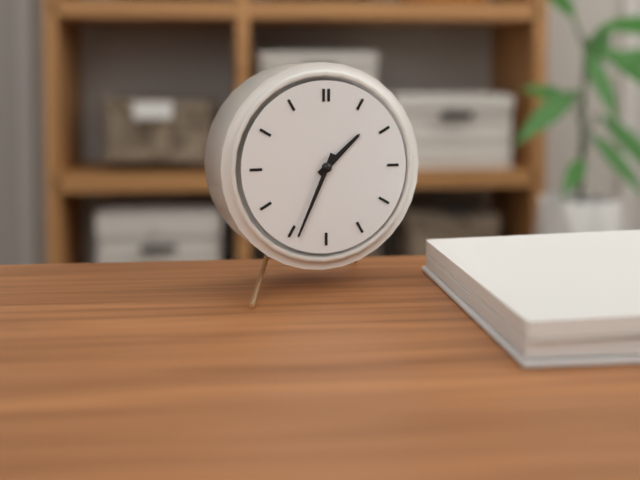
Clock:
h=1 m=34
